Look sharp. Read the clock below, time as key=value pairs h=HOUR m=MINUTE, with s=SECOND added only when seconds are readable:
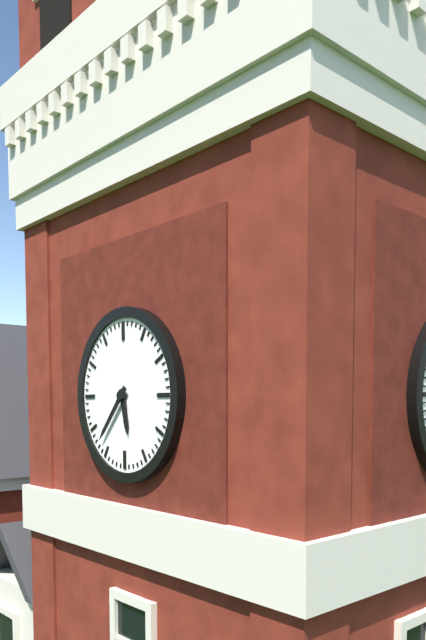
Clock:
h=5 m=37
